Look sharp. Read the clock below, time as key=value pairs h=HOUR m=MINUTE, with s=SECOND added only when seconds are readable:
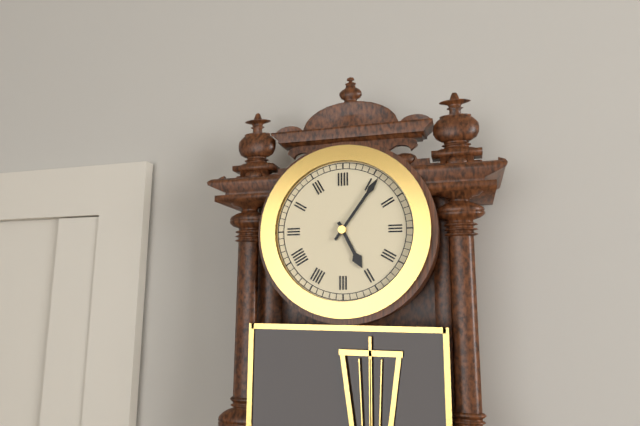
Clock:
h=5 m=6
